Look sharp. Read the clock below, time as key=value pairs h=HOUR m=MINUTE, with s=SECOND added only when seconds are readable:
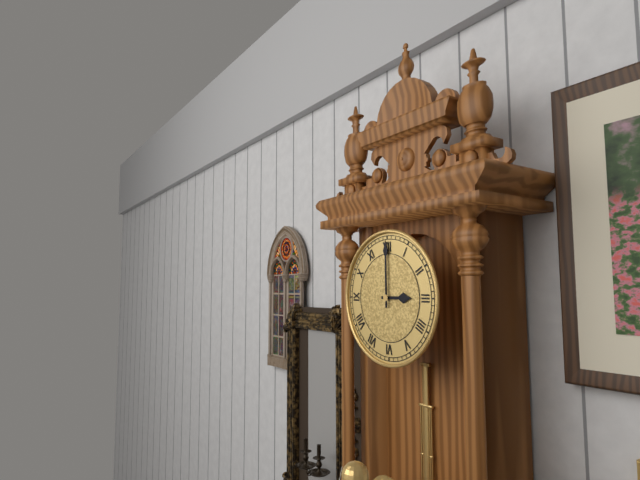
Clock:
h=3 m=0
